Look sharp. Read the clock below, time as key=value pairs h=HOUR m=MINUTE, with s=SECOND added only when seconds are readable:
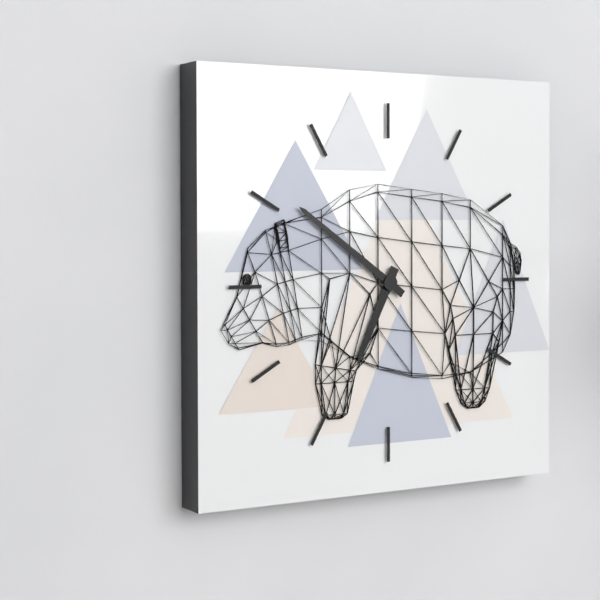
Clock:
h=6 m=51
